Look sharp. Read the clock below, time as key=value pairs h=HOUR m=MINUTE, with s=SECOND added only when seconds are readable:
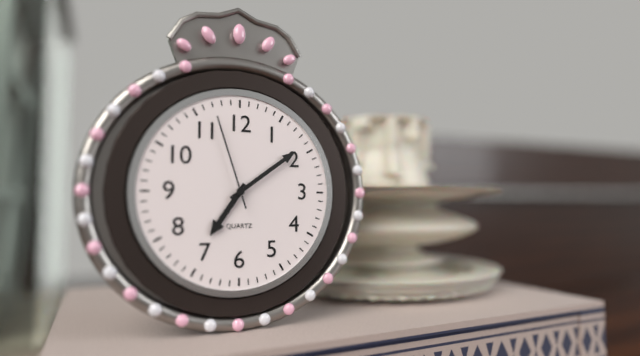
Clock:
h=7 m=9 s=57
